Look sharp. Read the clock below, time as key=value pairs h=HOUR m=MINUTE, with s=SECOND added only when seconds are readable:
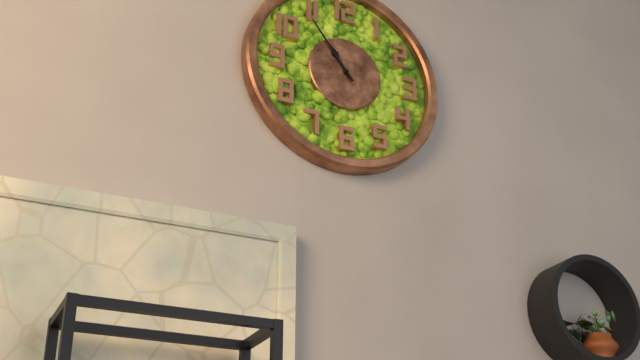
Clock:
h=10 m=54
